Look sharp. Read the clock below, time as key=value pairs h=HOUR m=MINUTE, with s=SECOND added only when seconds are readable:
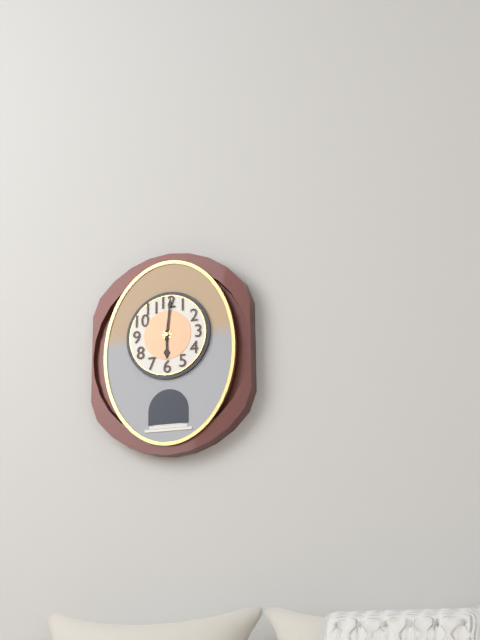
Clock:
h=6 m=1
